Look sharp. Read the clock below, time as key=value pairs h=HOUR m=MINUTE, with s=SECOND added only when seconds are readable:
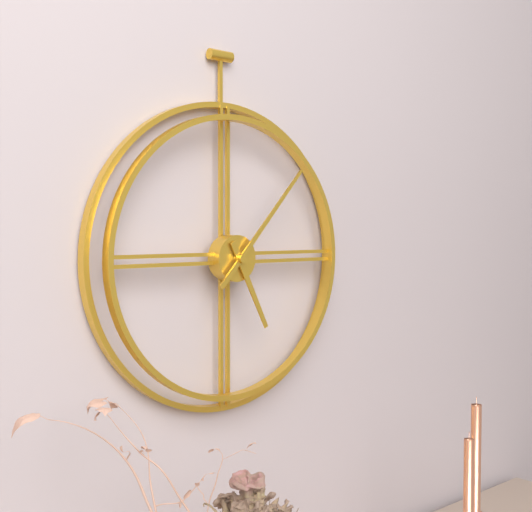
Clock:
h=5 m=7
